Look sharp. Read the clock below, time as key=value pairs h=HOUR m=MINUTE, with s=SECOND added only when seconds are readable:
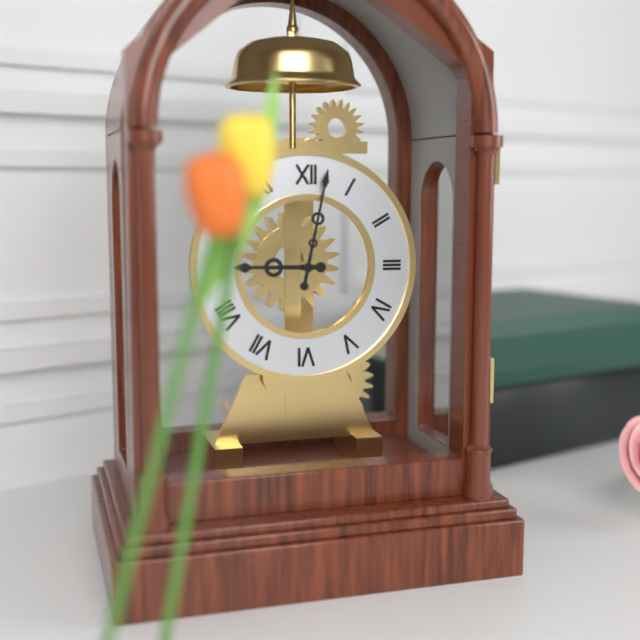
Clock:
h=9 m=2
